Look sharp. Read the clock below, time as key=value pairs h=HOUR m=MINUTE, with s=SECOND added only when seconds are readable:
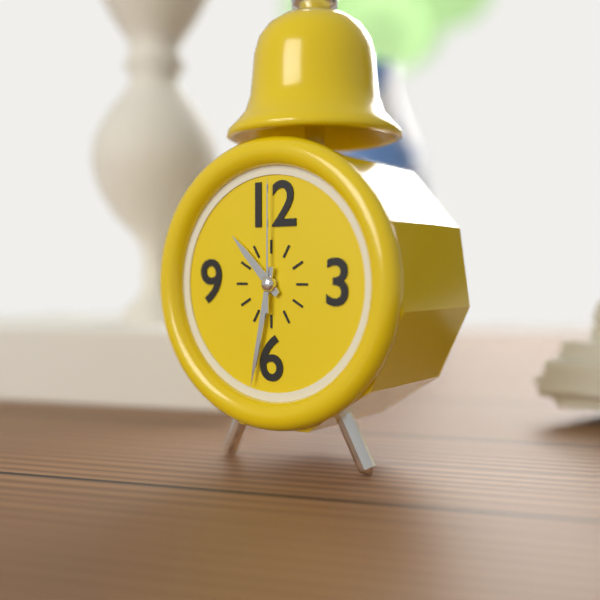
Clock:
h=10 m=32 s=0
